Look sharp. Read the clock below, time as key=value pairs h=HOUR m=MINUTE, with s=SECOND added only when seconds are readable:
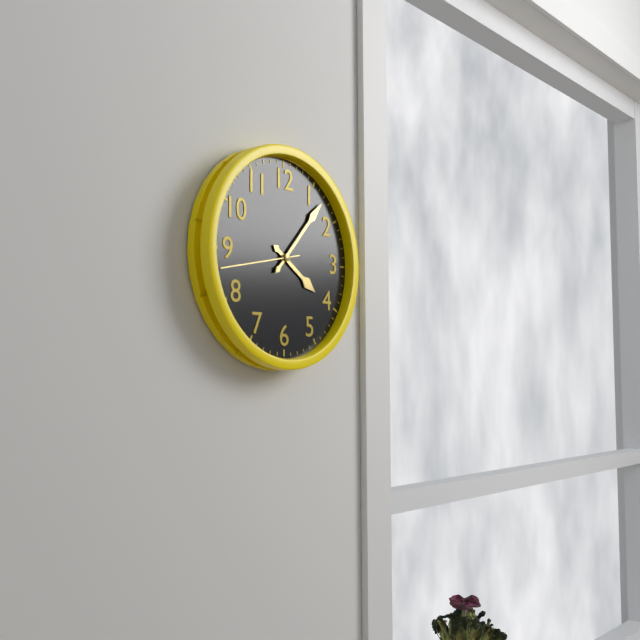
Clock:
h=4 m=7 s=43
